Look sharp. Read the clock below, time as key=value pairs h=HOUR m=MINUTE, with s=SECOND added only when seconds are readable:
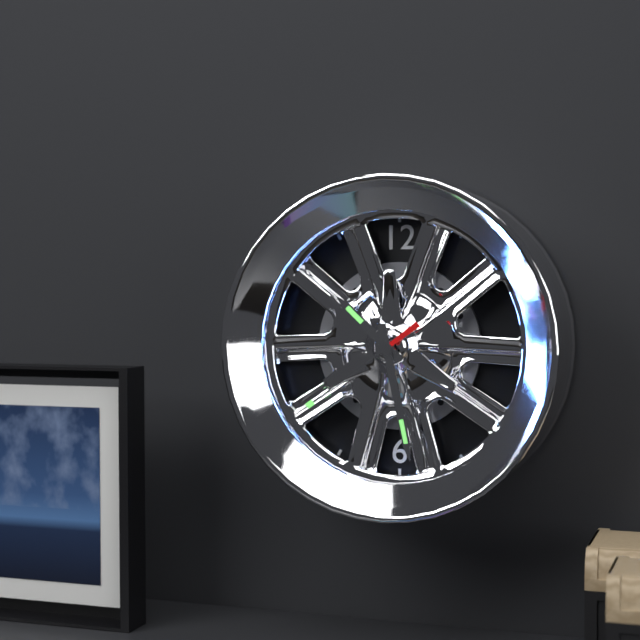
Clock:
h=10 m=28 s=39
